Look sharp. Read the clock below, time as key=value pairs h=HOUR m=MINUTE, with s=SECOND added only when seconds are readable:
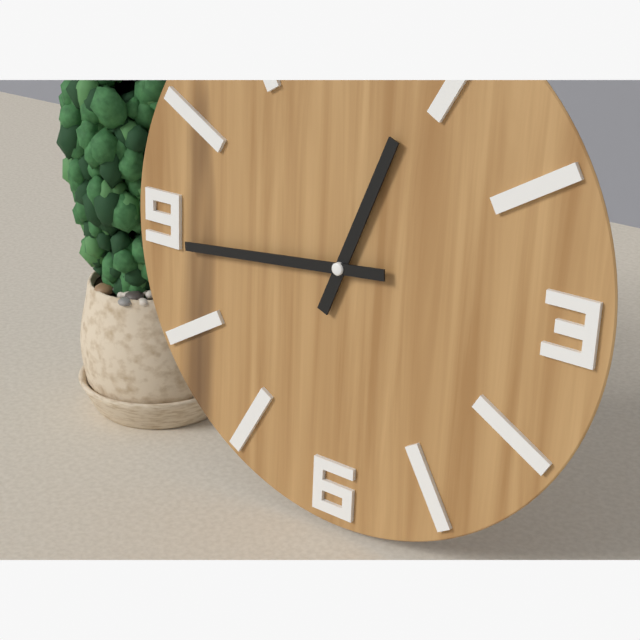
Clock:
h=12 m=44
